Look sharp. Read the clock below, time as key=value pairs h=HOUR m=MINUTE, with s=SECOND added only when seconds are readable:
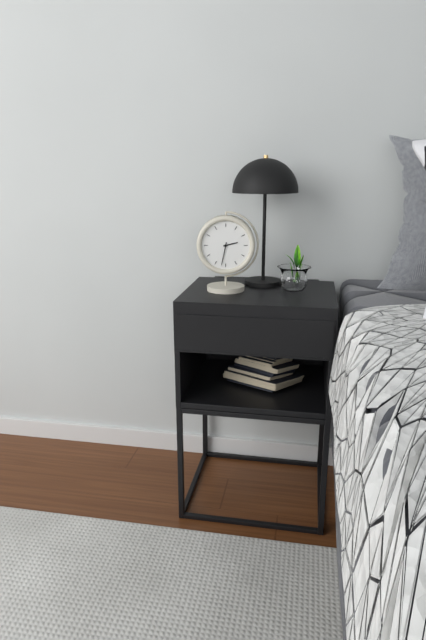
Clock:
h=2 m=32
